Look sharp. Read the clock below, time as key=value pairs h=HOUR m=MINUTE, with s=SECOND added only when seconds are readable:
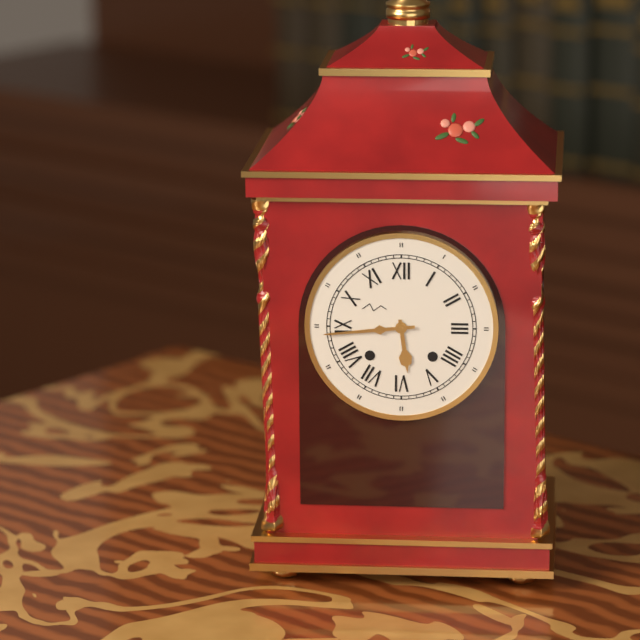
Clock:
h=5 m=44
